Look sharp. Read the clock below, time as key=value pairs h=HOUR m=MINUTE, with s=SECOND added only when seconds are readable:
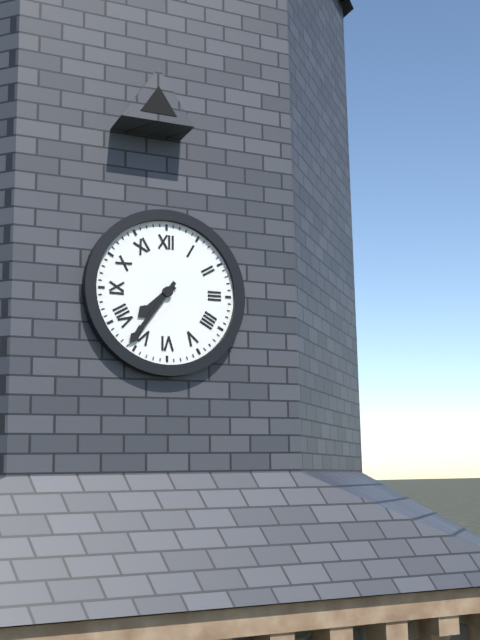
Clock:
h=7 m=36
